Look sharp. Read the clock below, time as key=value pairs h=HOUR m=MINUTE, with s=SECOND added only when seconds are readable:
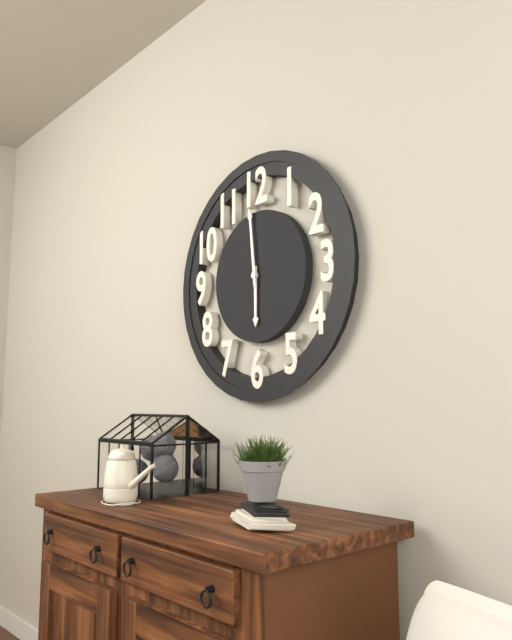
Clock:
h=5 m=59
